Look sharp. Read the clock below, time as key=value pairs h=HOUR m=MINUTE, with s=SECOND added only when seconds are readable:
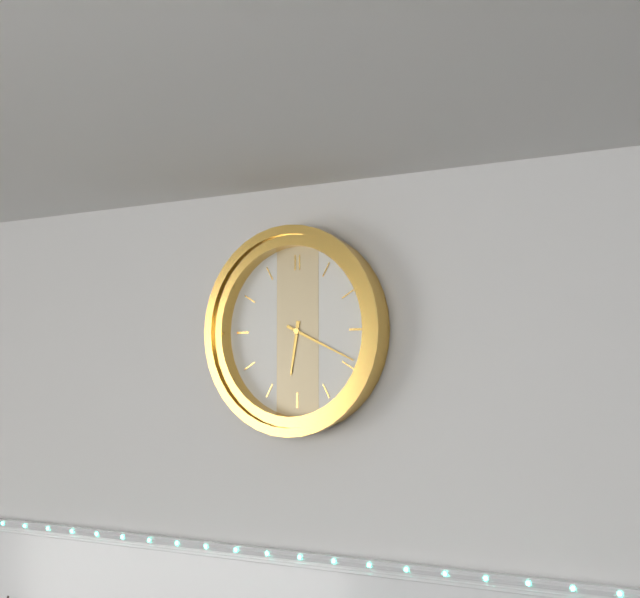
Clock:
h=6 m=19
